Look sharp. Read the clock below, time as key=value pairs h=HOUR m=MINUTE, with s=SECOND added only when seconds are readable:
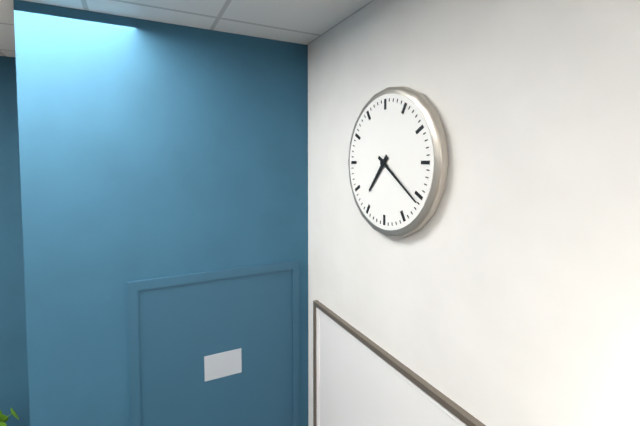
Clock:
h=7 m=21
